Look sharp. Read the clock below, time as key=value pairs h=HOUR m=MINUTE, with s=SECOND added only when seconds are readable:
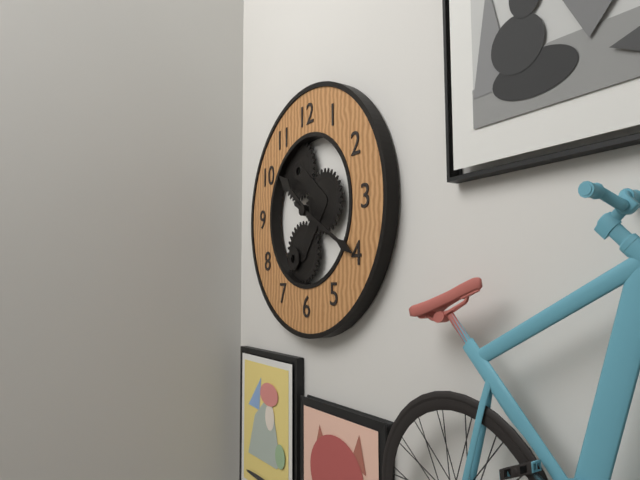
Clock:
h=10 m=20
